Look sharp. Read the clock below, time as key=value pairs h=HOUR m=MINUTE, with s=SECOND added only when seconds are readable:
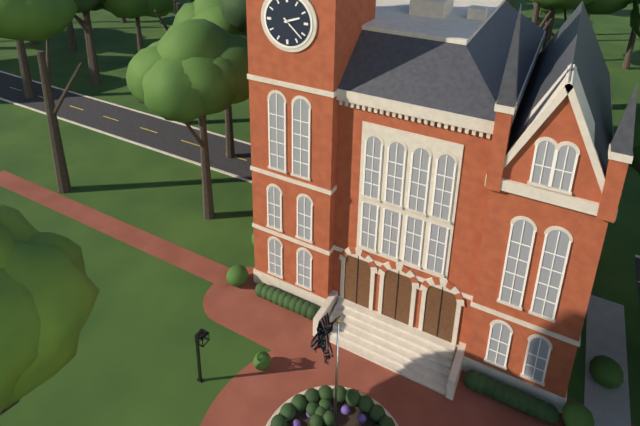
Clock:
h=2 m=22
